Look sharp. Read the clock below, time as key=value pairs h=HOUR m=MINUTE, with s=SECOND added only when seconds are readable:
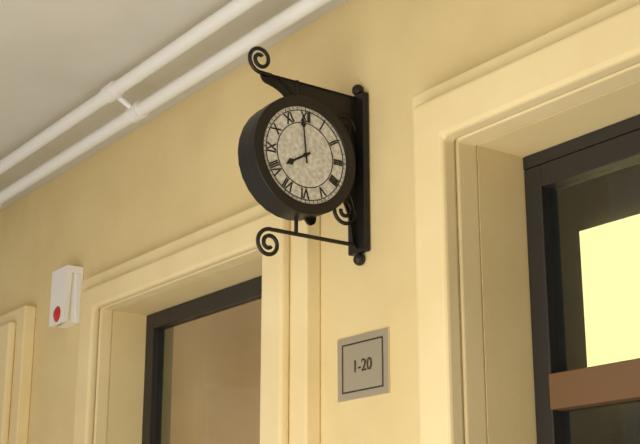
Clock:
h=7 m=59
